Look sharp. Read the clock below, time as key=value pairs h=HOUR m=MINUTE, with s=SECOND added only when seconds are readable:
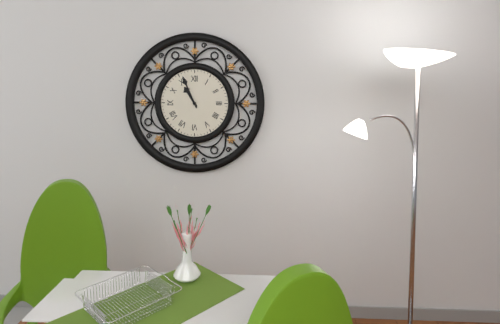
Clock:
h=10 m=56
